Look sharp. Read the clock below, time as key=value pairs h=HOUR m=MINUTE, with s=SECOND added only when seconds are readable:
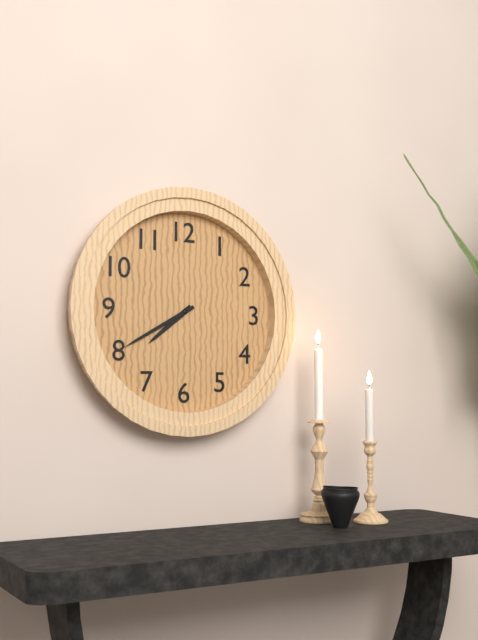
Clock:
h=7 m=40
